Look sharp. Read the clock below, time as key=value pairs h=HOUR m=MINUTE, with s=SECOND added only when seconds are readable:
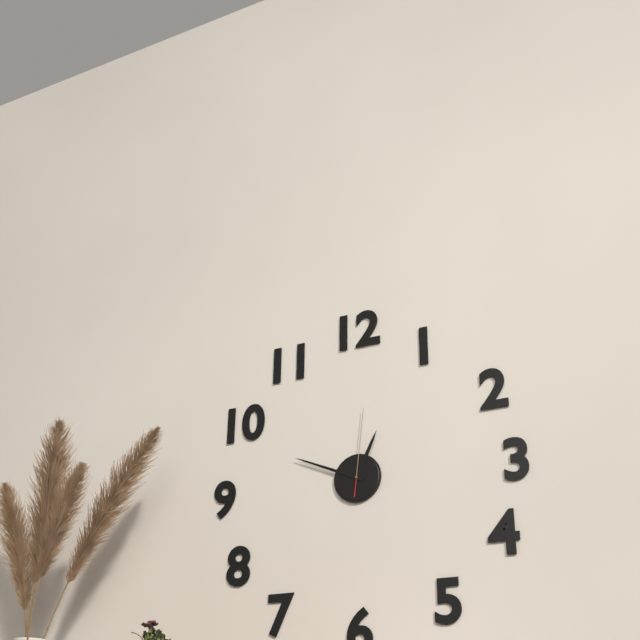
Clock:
h=12 m=49 s=1
